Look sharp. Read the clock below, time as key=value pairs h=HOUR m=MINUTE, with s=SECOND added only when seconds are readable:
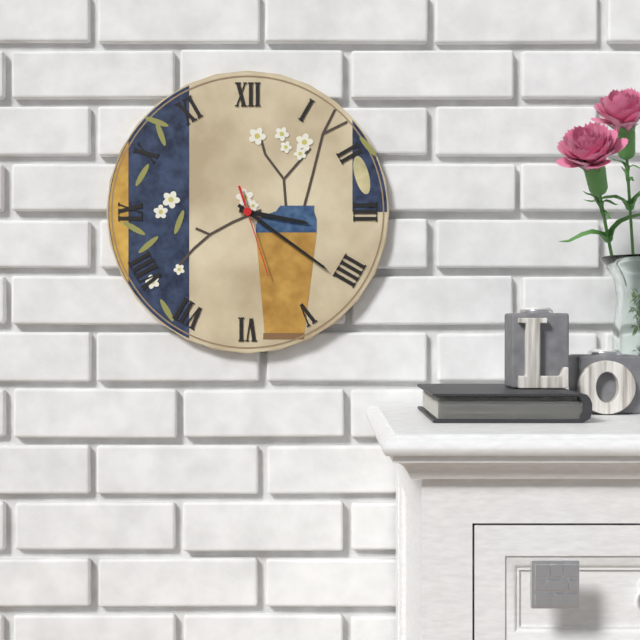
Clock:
h=3 m=21 s=27
